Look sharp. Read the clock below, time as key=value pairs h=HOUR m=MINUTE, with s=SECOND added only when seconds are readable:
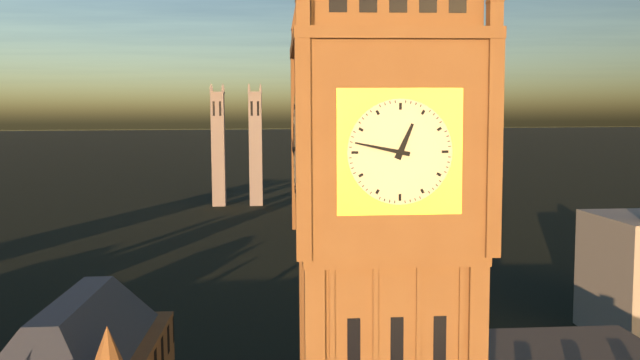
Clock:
h=12 m=47
